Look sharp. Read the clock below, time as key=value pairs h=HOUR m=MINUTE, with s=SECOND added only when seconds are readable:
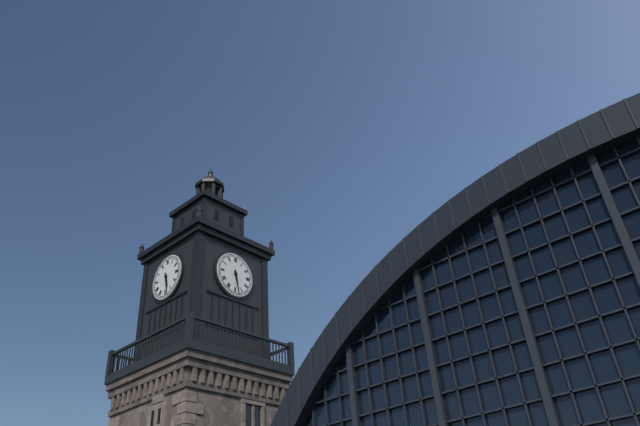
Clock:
h=5 m=28
